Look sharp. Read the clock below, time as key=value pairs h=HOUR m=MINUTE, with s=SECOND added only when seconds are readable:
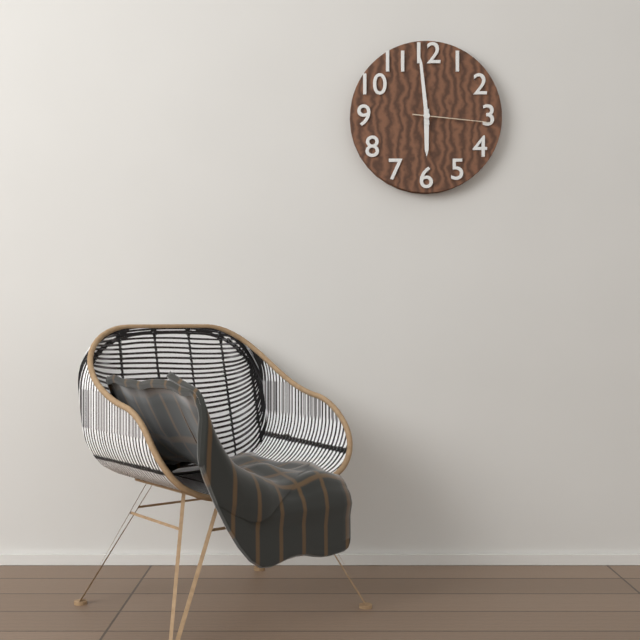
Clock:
h=5 m=59 s=16
